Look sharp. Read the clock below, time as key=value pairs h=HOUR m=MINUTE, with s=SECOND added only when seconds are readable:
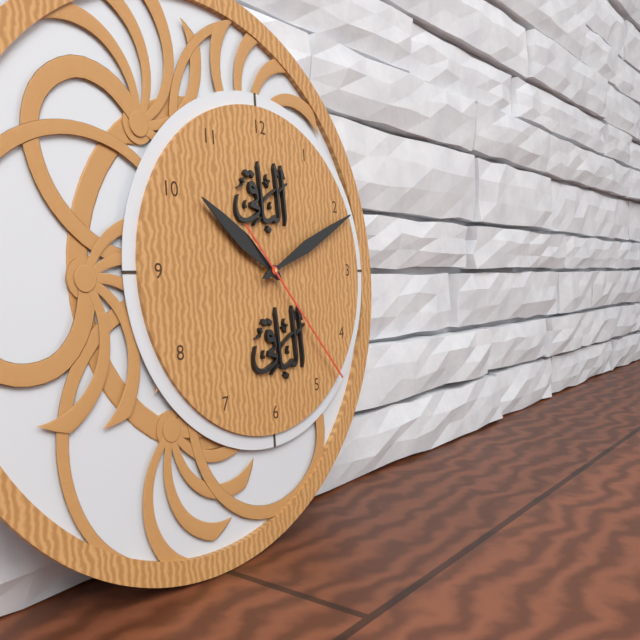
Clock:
h=10 m=11 s=23
